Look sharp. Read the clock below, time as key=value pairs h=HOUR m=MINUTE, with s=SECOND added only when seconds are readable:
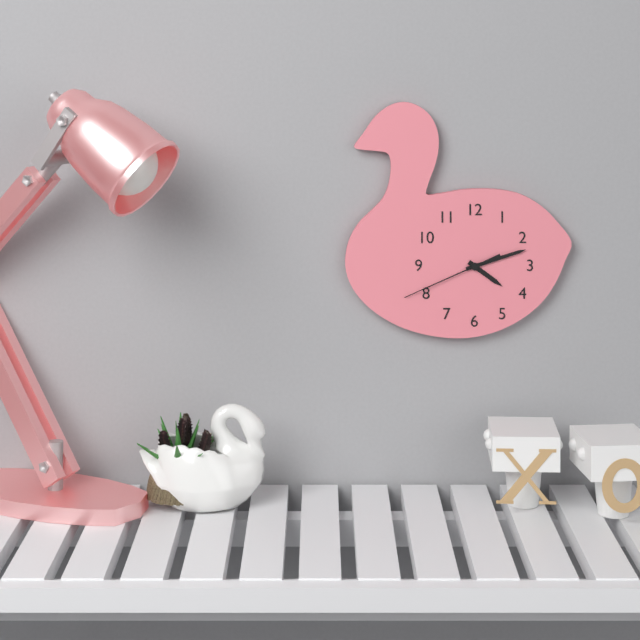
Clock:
h=4 m=12 s=41
